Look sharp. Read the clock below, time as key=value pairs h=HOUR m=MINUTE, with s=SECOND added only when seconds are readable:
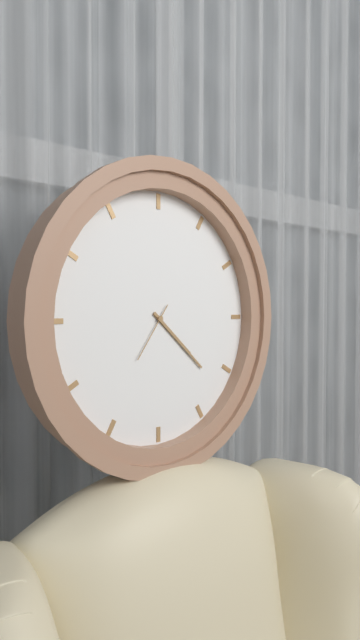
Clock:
h=4 m=22 s=36
